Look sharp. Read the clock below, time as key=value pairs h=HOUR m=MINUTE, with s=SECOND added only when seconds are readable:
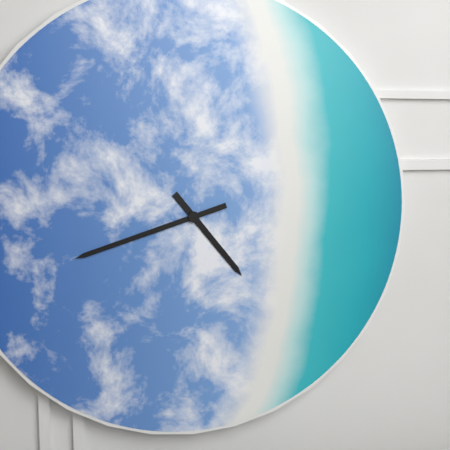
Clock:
h=4 m=42
